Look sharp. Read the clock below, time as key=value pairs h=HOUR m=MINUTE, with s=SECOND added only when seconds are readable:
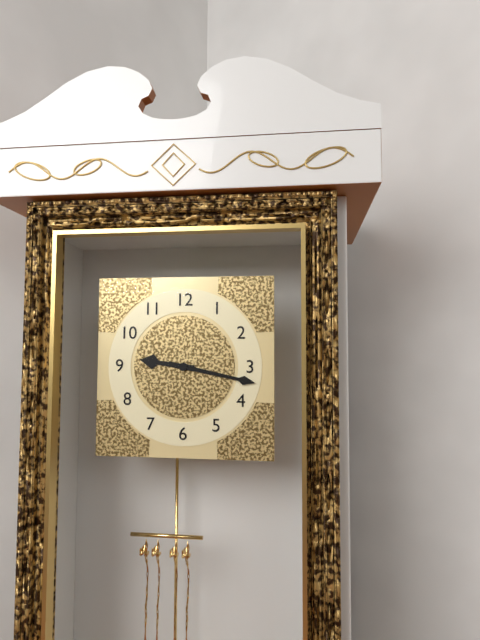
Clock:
h=9 m=17
